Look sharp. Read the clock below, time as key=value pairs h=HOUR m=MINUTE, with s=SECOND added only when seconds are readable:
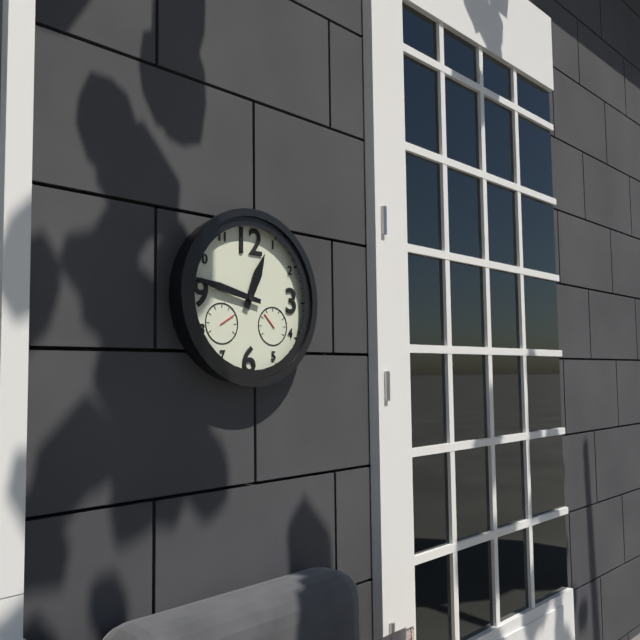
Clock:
h=12 m=47
